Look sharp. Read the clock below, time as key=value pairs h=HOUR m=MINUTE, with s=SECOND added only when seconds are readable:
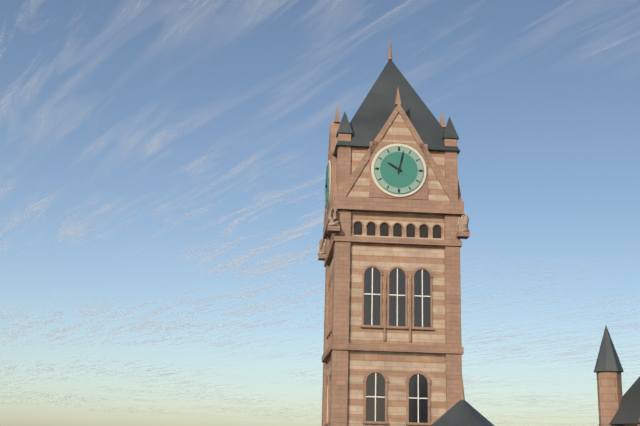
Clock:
h=10 m=2
